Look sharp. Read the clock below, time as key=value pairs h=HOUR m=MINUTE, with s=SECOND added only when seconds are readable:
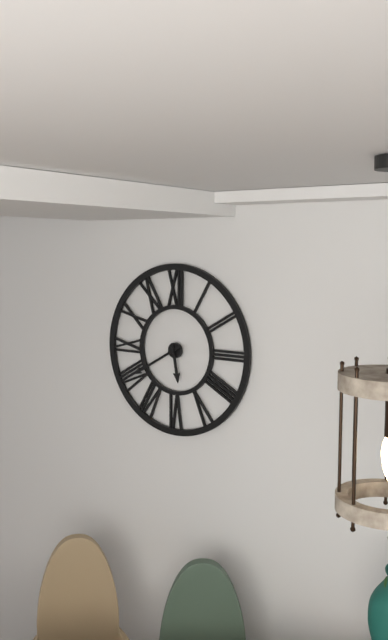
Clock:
h=5 m=40
